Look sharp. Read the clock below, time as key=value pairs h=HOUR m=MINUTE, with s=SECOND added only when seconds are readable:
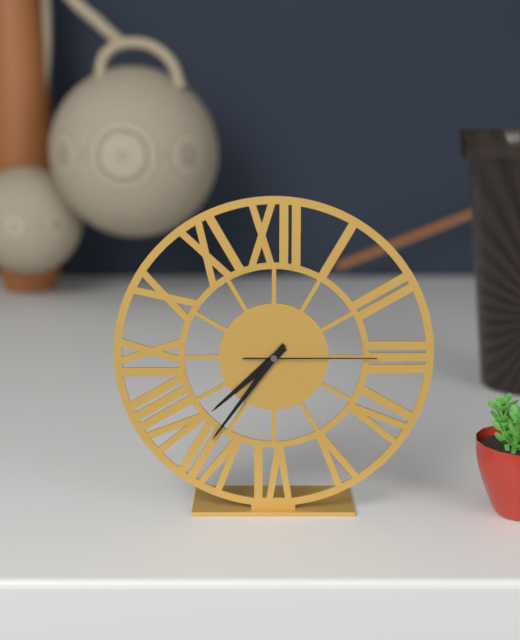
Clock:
h=7 m=36 s=15
